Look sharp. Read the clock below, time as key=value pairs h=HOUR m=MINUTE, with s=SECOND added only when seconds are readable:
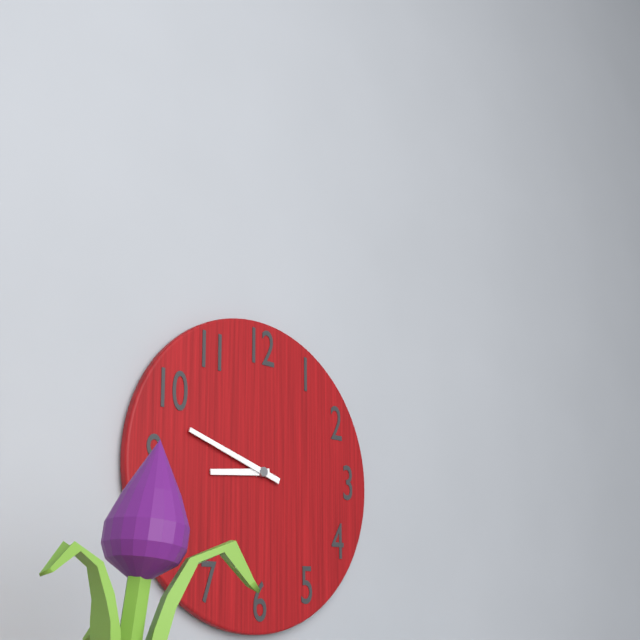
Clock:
h=8 m=48
